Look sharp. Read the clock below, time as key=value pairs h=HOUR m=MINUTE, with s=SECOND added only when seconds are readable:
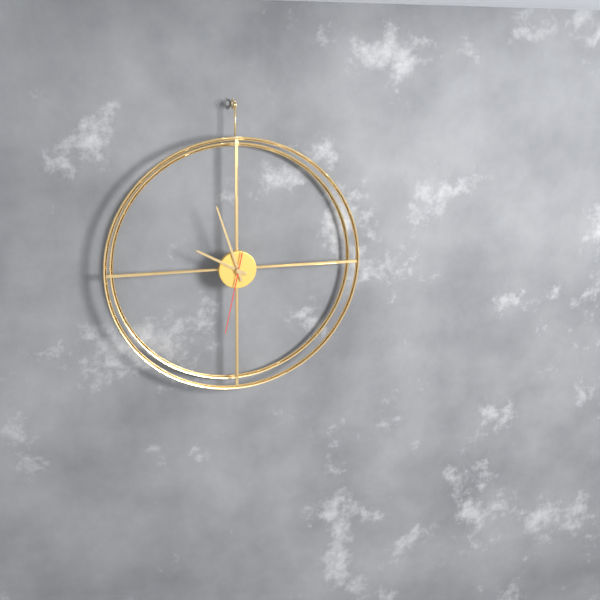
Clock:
h=9 m=57 s=32
